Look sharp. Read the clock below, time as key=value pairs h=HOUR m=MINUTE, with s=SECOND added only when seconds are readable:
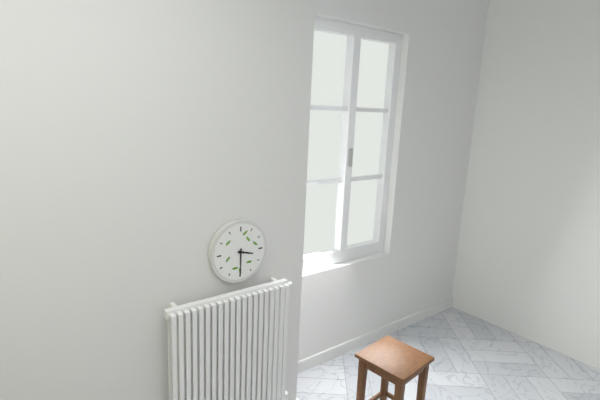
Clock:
h=3 m=30
